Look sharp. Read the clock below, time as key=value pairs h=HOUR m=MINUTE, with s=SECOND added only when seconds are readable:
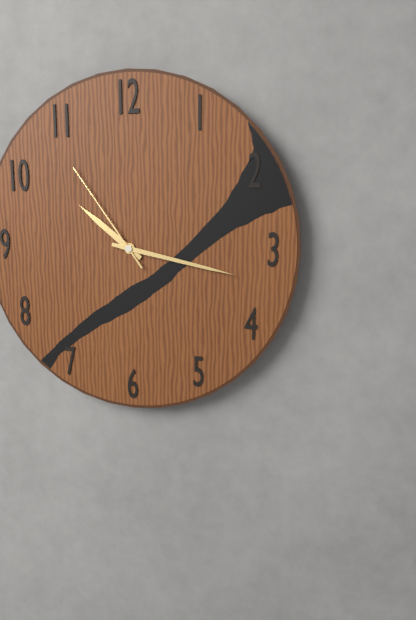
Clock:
h=10 m=17 s=54
